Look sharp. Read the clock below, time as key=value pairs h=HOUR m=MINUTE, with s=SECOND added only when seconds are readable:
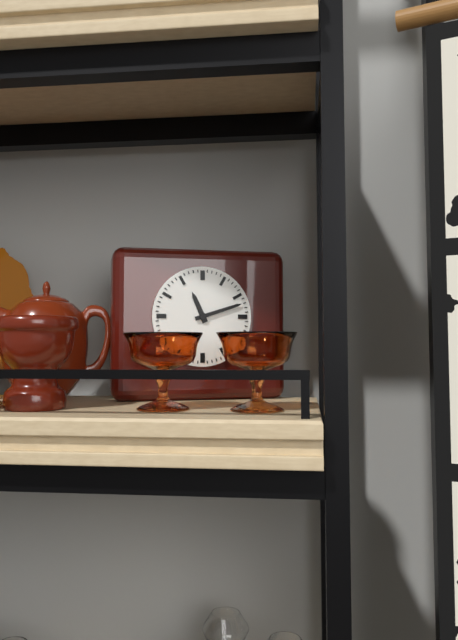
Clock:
h=11 m=12
